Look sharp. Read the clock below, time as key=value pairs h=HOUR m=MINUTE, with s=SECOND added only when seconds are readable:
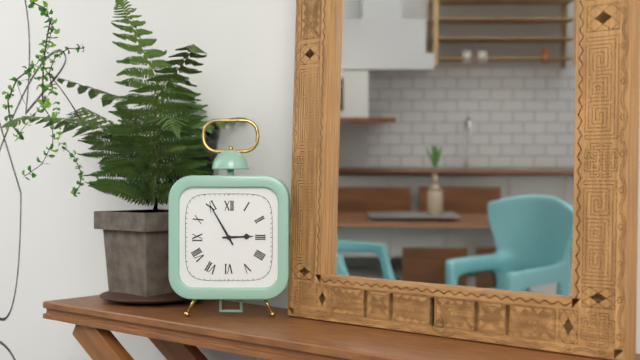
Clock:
h=2 m=55
